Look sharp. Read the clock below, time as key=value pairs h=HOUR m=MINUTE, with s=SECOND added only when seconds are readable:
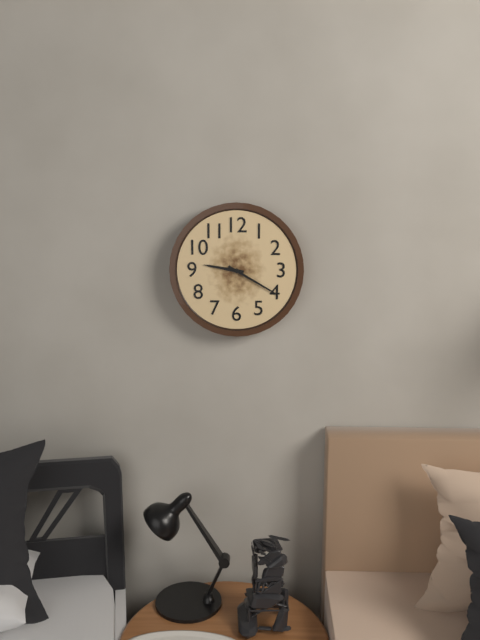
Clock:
h=9 m=20
